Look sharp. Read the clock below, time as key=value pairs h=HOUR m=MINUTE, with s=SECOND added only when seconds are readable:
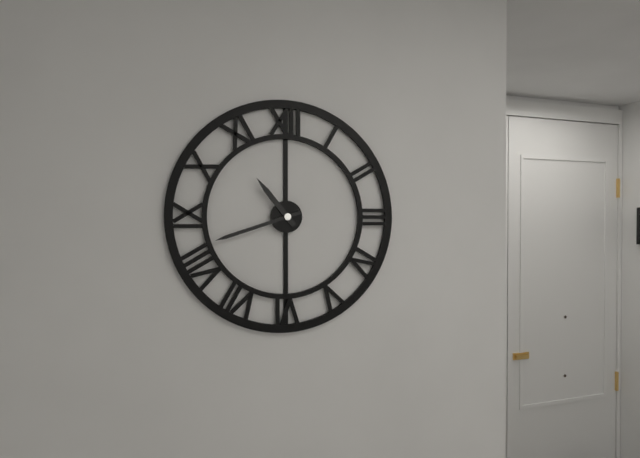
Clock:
h=10 m=42
